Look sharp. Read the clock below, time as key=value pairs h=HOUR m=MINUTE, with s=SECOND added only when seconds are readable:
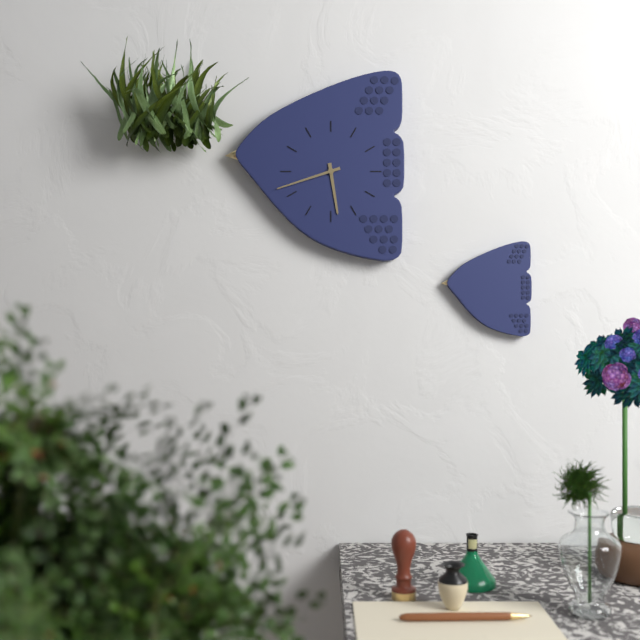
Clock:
h=5 m=42
